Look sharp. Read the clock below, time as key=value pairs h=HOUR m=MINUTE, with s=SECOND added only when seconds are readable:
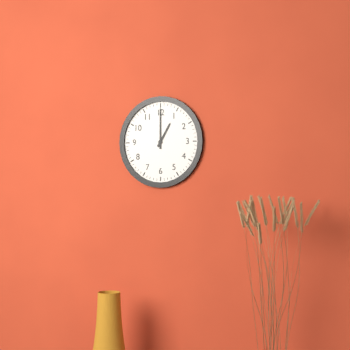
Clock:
h=1 m=0
